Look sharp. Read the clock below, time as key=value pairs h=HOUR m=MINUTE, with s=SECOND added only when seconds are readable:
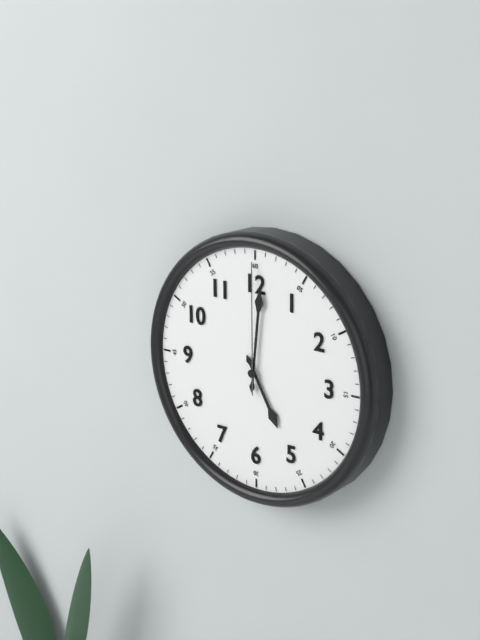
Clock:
h=5 m=1 s=0
